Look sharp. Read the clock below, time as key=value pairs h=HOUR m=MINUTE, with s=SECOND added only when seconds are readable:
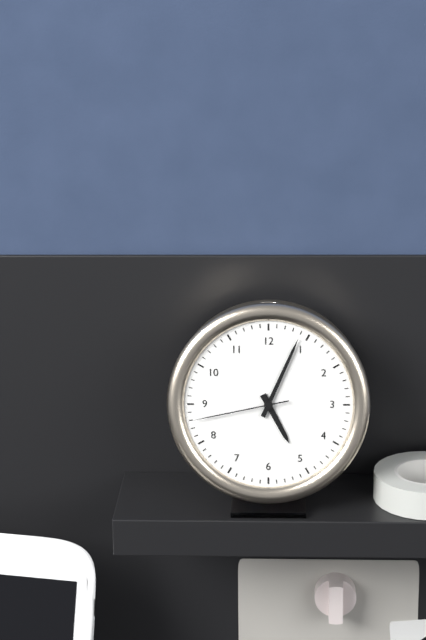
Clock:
h=5 m=4 s=43
